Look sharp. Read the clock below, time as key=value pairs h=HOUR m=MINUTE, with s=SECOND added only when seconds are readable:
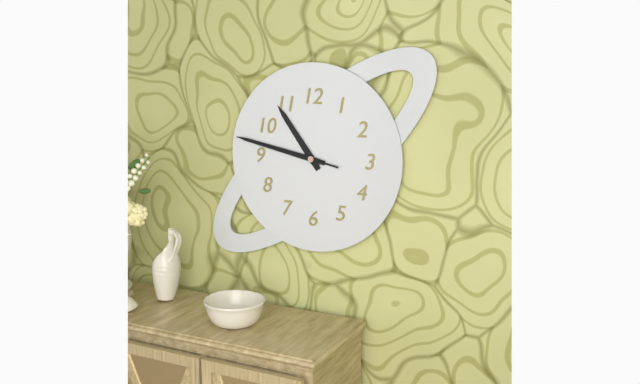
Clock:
h=10 m=47 s=47
